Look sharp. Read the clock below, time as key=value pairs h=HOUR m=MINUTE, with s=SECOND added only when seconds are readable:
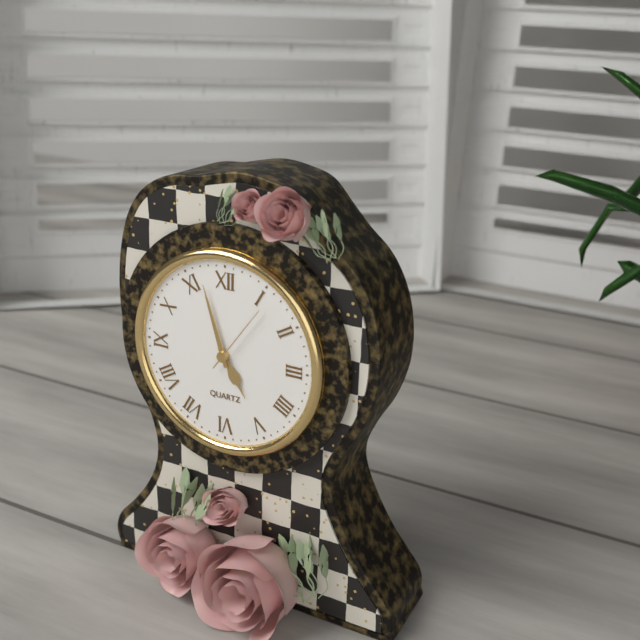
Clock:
h=4 m=57 s=6
